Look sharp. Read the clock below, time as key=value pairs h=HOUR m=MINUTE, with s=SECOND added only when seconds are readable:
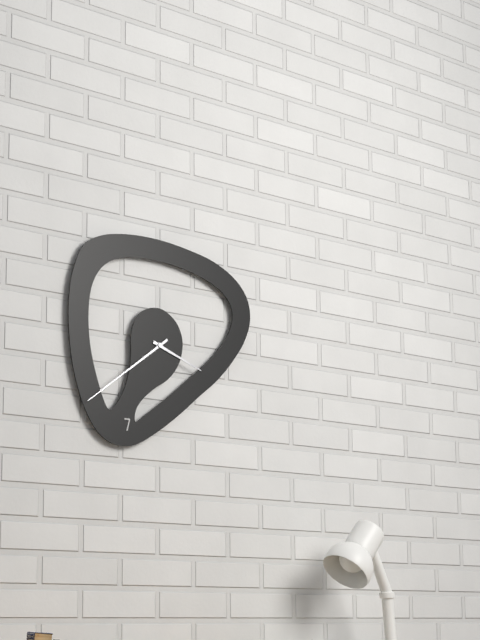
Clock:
h=3 m=39
